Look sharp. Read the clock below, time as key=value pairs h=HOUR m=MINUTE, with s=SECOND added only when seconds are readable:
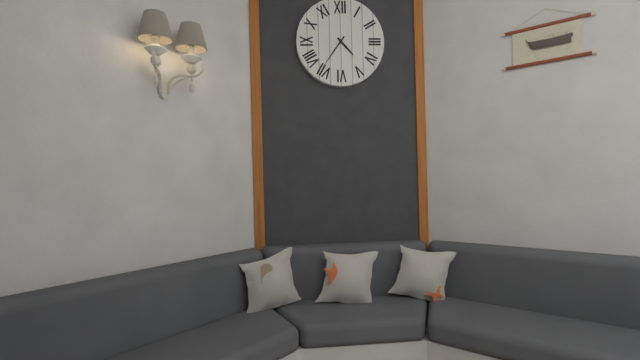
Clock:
h=4 m=36
